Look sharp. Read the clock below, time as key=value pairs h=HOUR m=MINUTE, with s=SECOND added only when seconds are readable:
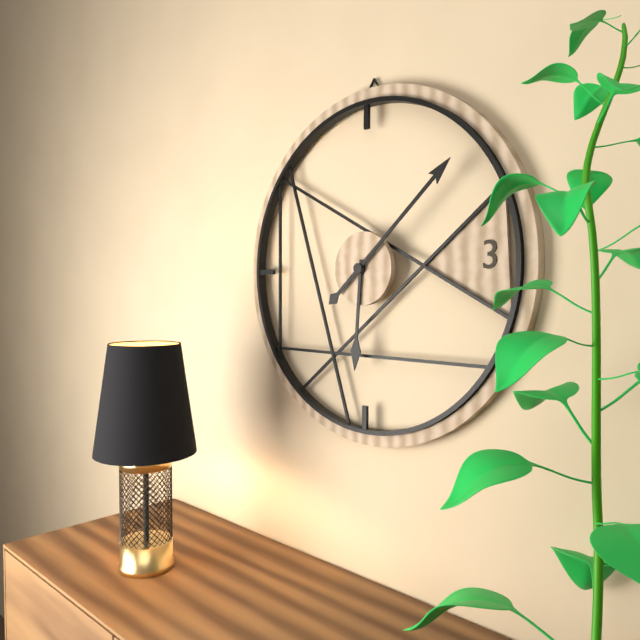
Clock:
h=6 m=8
